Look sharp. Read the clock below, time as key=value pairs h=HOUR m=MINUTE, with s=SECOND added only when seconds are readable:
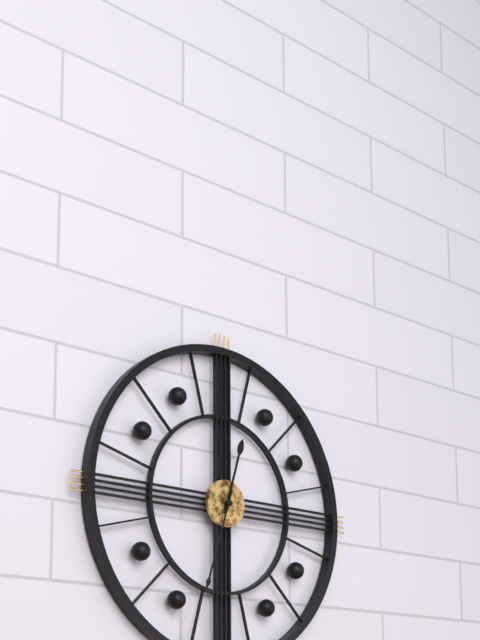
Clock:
h=12 m=33
